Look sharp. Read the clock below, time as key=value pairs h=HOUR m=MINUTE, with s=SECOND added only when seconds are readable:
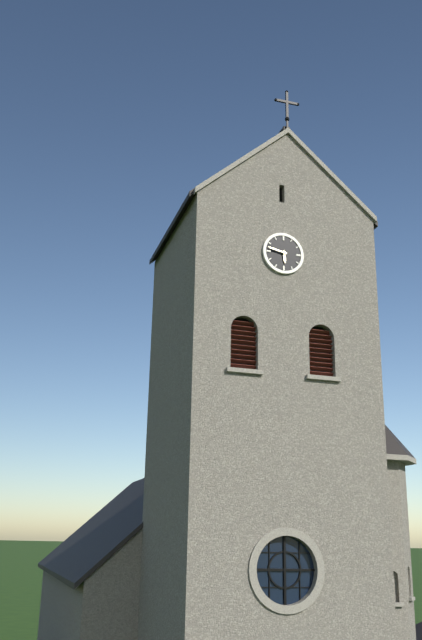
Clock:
h=5 m=47
